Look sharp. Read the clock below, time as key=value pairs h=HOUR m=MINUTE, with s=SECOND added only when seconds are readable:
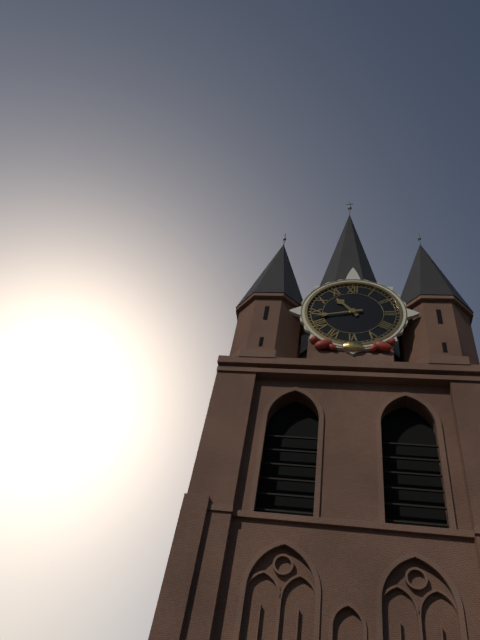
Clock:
h=10 m=43
